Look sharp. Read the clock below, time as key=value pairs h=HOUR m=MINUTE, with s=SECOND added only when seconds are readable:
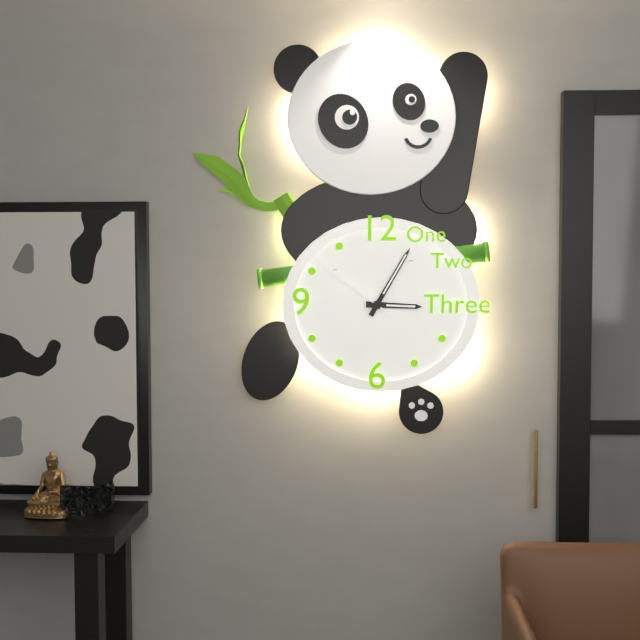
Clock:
h=3 m=5 s=51
